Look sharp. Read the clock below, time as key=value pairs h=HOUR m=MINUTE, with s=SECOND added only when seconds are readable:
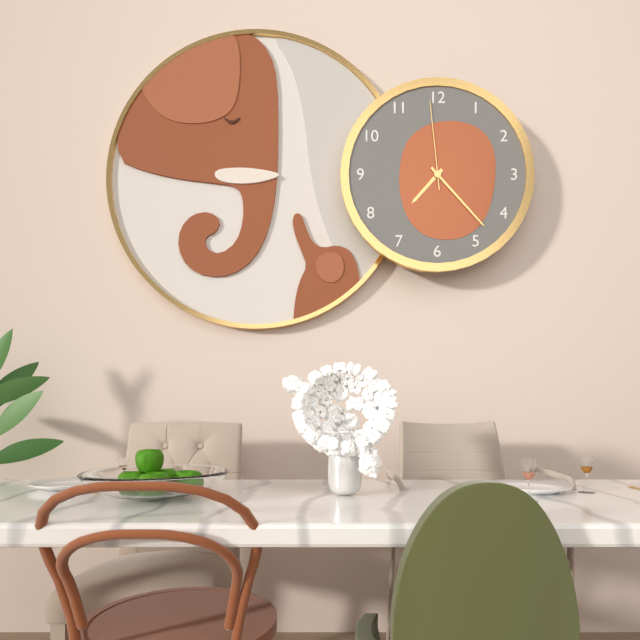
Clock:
h=7 m=23 s=59
